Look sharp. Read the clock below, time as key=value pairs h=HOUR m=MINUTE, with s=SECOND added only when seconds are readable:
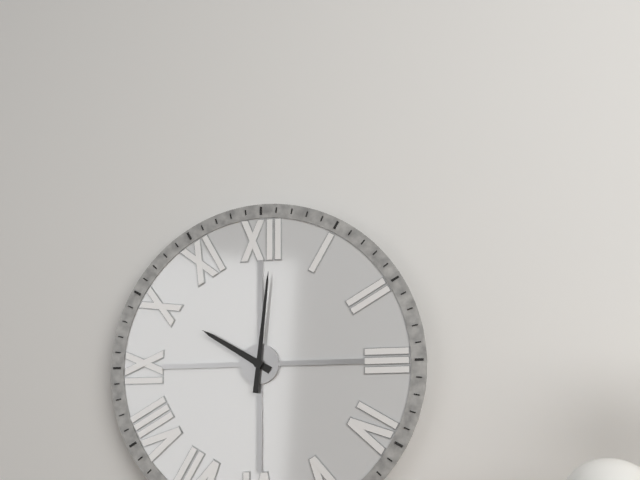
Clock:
h=10 m=1
